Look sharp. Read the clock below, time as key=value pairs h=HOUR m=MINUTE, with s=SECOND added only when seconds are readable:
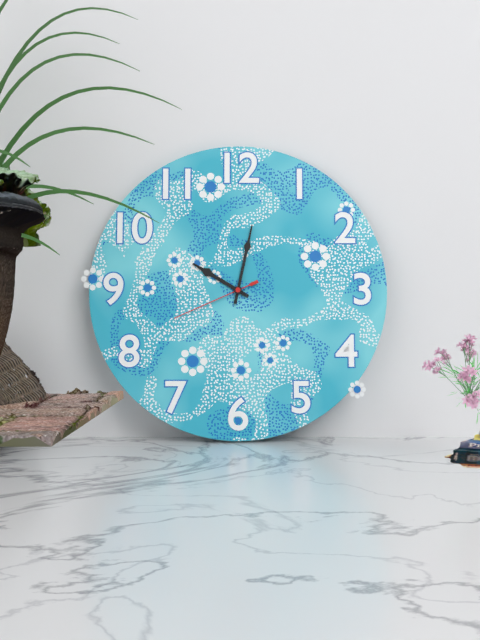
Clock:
h=10 m=2 s=41
